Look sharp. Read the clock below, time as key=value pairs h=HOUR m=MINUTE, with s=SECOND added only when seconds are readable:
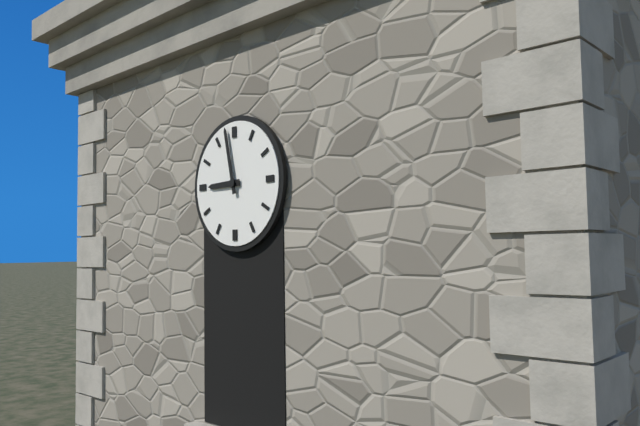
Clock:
h=8 m=58
